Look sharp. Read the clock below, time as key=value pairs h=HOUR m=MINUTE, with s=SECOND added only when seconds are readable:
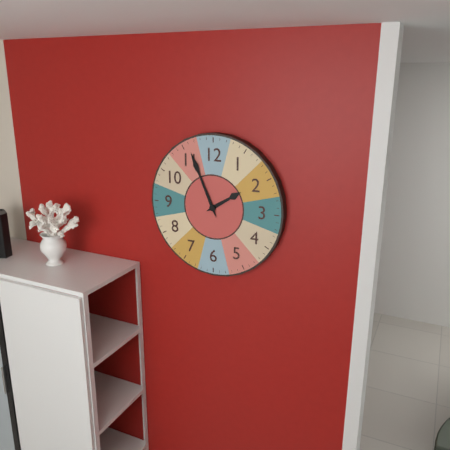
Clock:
h=1 m=56
